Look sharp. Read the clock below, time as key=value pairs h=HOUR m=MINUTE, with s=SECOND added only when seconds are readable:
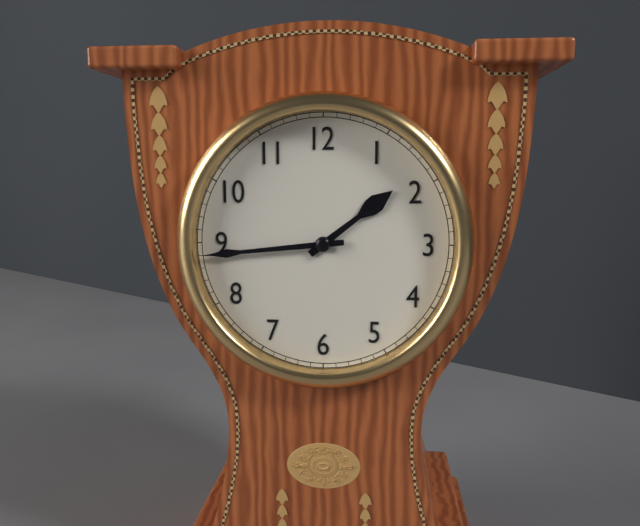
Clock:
h=1 m=44
